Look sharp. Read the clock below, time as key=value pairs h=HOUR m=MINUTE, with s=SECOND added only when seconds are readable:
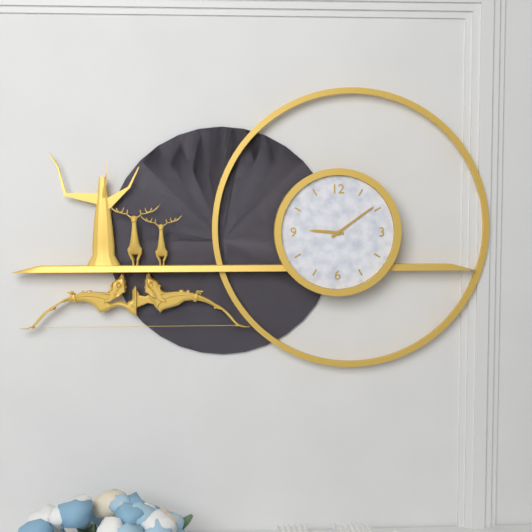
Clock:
h=9 m=9
